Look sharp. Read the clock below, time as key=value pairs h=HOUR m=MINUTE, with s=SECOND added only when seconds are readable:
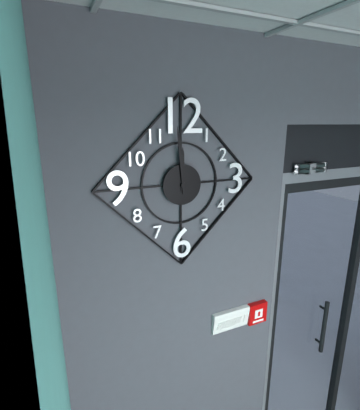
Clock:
h=11 m=59
